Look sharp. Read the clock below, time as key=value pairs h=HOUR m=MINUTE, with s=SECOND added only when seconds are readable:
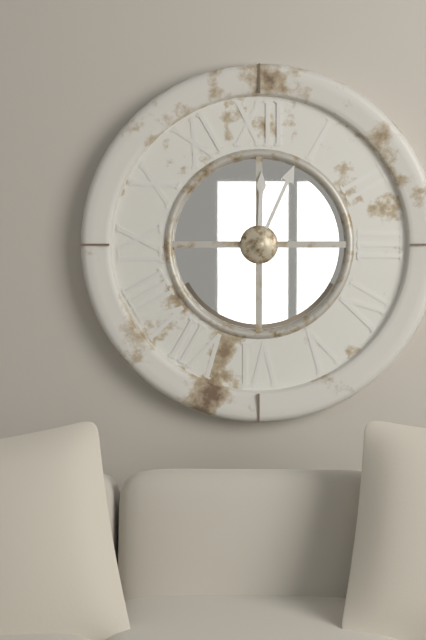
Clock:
h=12 m=4
